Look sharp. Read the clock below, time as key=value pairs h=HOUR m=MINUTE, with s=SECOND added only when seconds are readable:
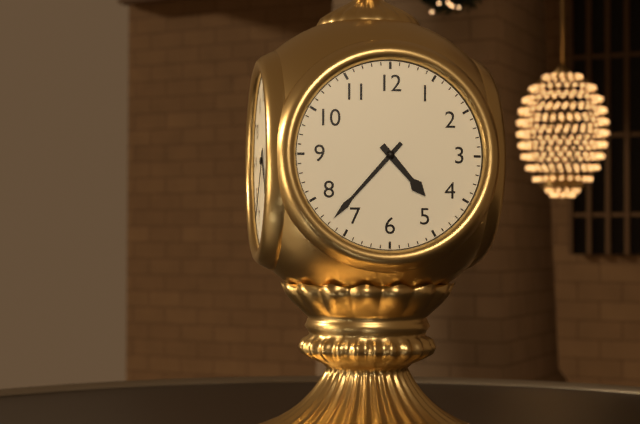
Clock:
h=4 m=37
